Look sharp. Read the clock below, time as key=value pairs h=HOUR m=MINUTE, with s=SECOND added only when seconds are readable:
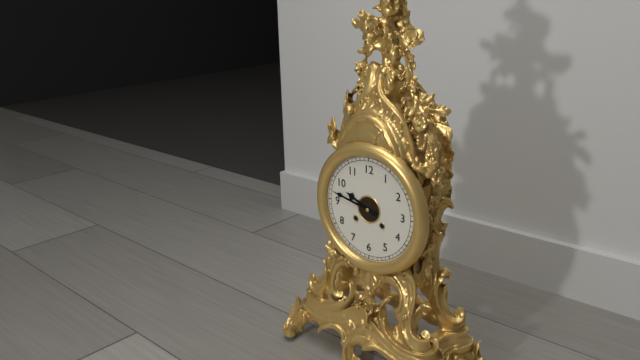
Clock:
h=9 m=47
